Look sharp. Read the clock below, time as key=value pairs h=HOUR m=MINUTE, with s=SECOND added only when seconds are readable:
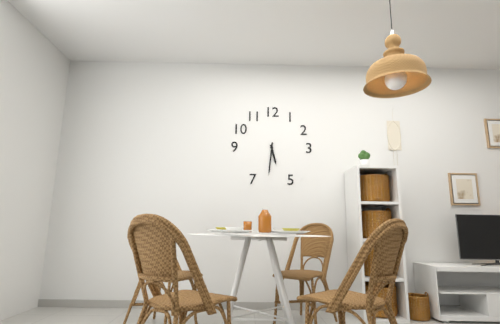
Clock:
h=5 m=31
